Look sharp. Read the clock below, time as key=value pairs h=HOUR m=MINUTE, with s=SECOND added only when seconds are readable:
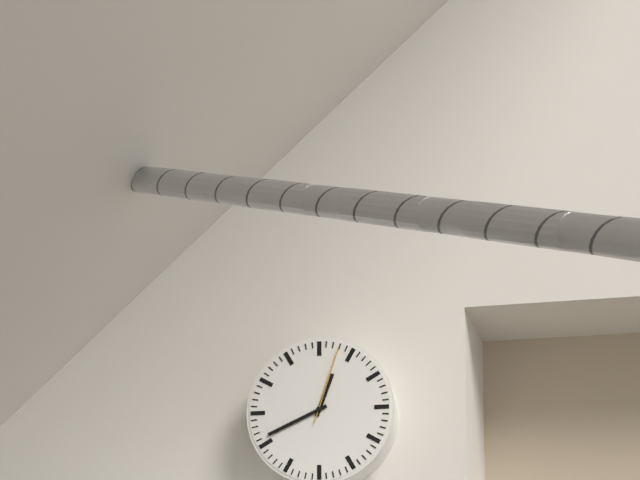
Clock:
h=12 m=41 s=3
